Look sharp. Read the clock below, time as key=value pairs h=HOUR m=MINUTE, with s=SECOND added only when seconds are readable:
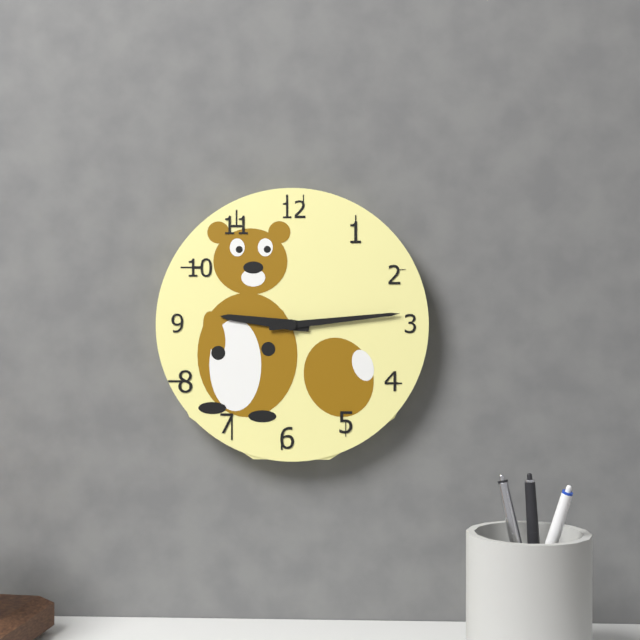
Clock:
h=9 m=14
